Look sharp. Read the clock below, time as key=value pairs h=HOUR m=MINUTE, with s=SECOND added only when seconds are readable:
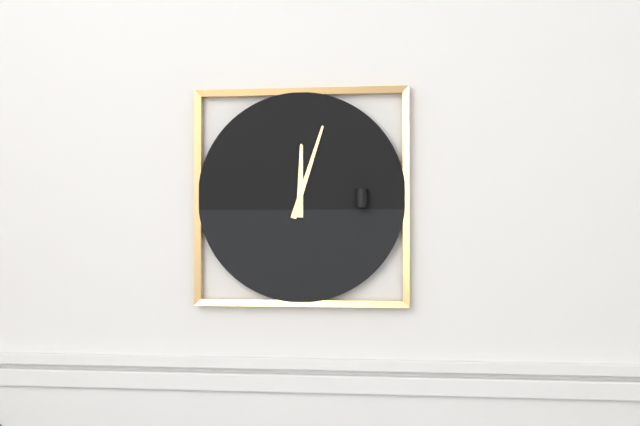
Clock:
h=12 m=3
